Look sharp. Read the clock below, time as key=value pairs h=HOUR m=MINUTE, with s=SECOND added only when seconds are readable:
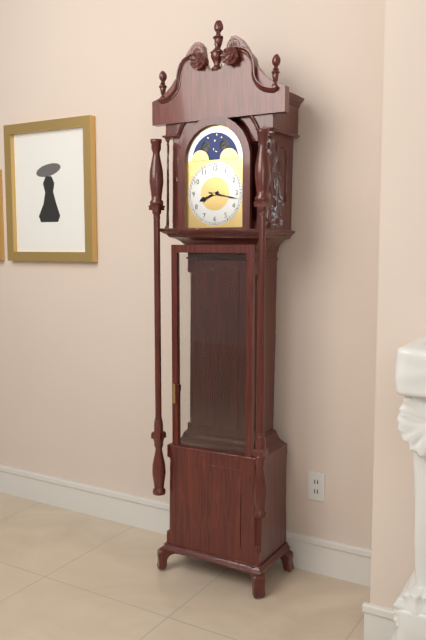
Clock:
h=8 m=17
